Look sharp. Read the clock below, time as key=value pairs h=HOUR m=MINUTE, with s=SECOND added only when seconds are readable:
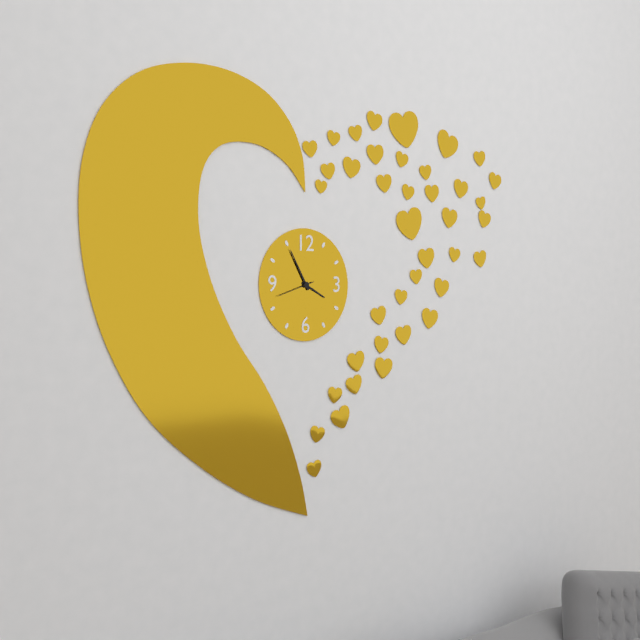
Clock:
h=3 m=55
